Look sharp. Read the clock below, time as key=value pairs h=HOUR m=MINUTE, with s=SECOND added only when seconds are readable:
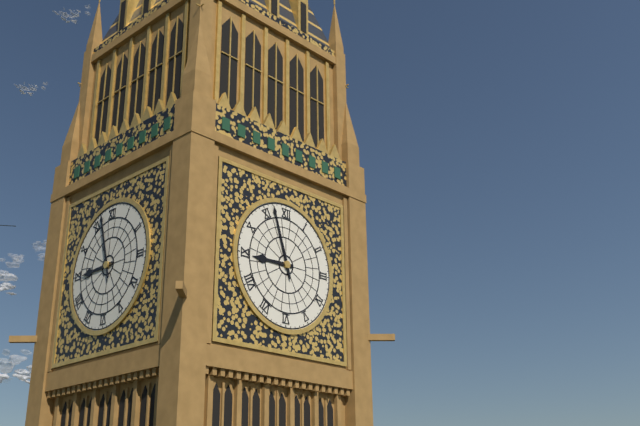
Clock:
h=8 m=57
